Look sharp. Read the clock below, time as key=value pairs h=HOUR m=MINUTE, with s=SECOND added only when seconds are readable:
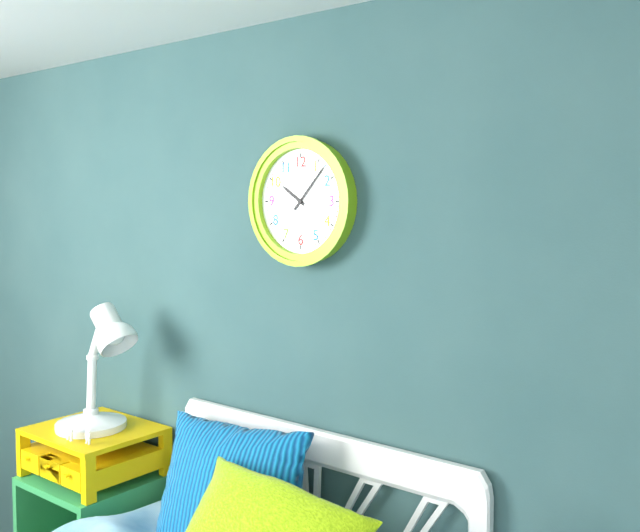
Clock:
h=10 m=7
